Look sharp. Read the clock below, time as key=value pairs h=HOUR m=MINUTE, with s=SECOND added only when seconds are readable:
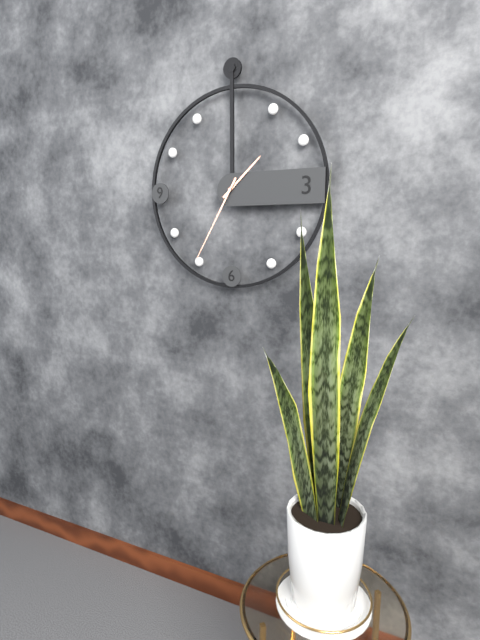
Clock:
h=1 m=35
